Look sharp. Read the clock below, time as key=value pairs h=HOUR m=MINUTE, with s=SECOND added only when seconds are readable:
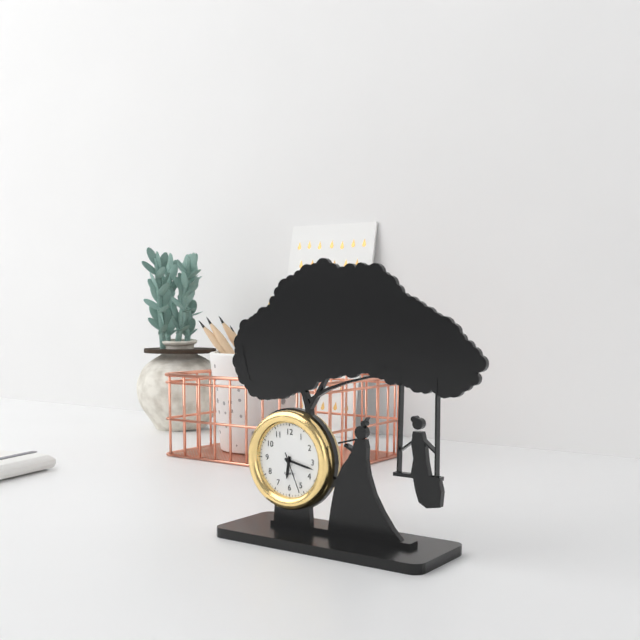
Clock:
h=6 m=17
